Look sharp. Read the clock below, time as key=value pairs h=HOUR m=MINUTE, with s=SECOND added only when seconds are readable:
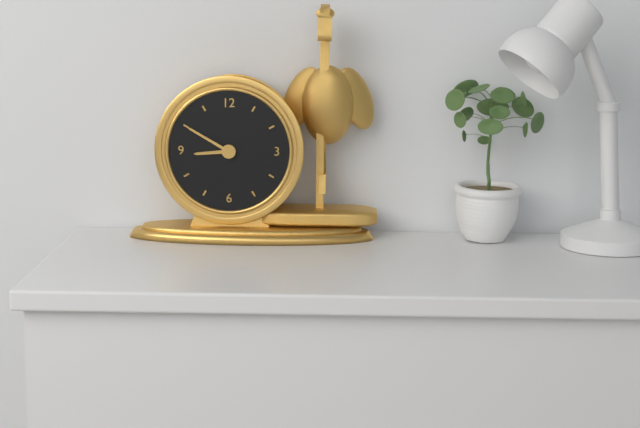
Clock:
h=8 m=50
